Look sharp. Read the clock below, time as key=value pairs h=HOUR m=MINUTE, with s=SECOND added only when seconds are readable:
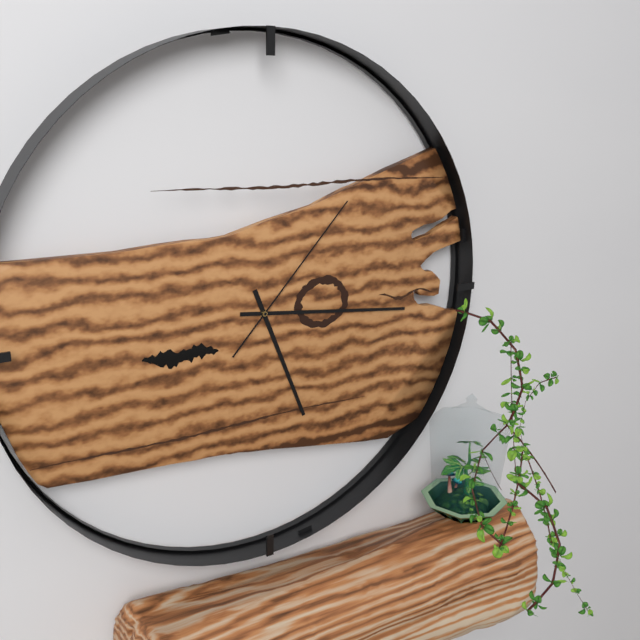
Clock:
h=5 m=16 s=7
